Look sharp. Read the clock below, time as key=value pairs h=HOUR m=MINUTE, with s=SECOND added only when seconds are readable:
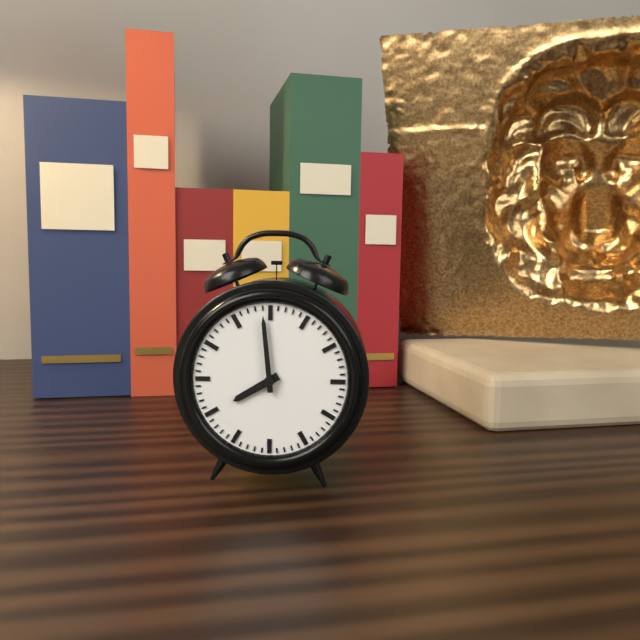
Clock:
h=7 m=59
